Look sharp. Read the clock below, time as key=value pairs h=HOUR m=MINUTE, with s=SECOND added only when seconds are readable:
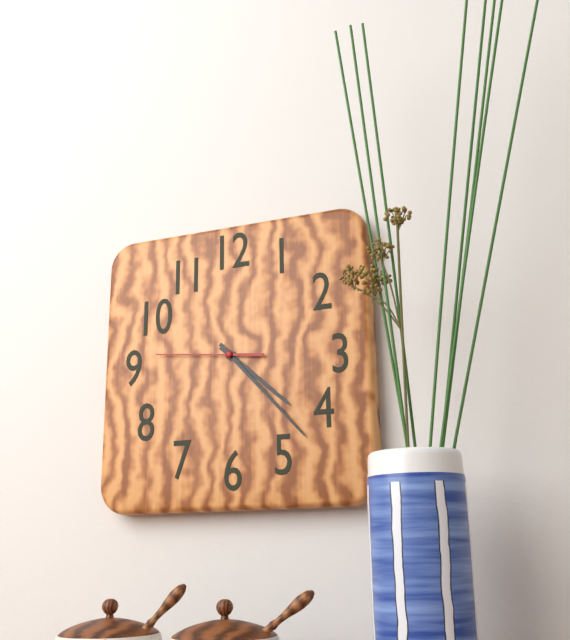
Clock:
h=4 m=23 s=46
